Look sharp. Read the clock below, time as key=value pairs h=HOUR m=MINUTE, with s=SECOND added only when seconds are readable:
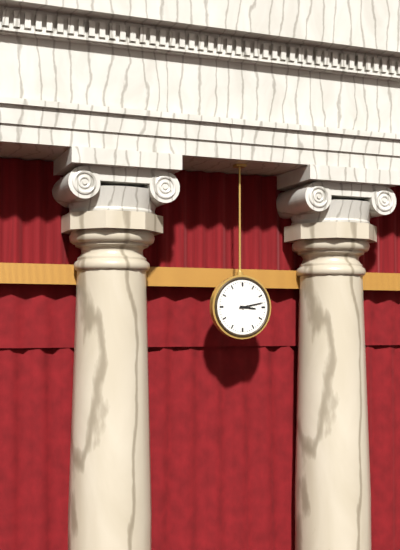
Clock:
h=3 m=13
